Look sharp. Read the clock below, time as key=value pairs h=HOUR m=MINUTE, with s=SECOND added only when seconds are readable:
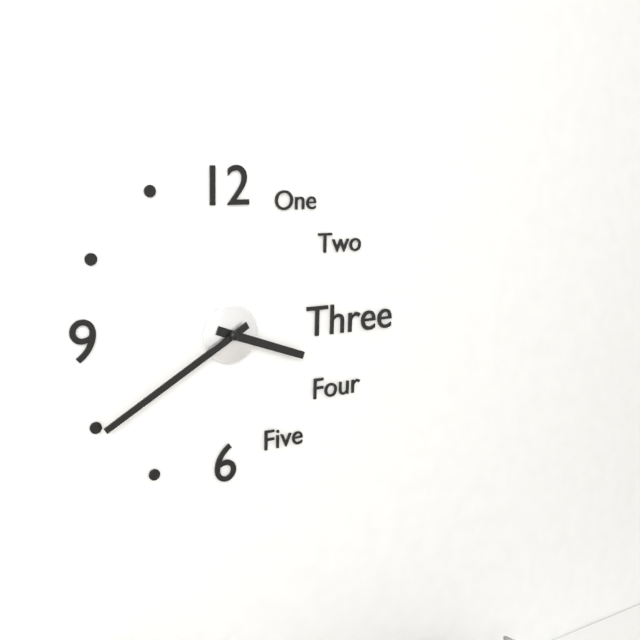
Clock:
h=3 m=40
